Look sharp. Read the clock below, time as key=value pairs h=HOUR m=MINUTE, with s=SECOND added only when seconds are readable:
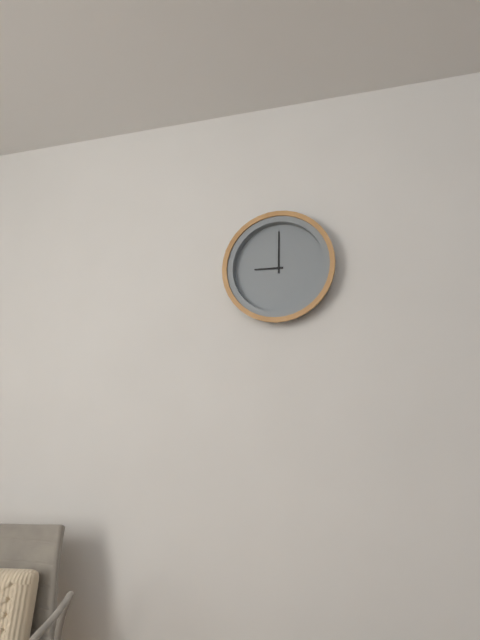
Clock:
h=9 m=0
